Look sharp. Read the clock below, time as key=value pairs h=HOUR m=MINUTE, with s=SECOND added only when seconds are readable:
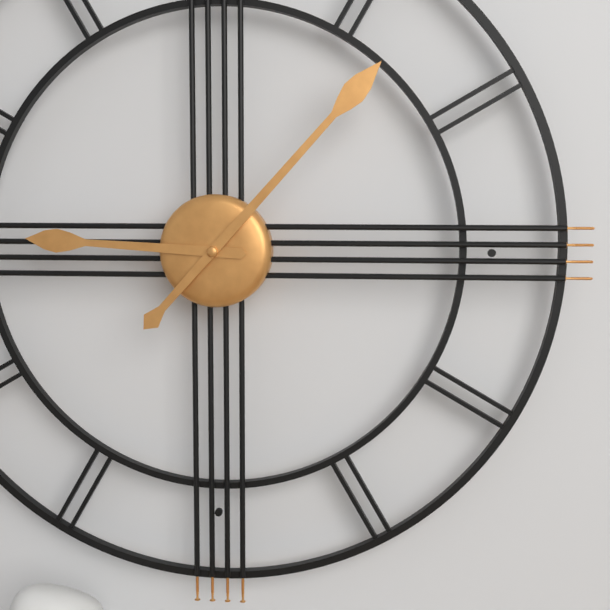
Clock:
h=9 m=7
